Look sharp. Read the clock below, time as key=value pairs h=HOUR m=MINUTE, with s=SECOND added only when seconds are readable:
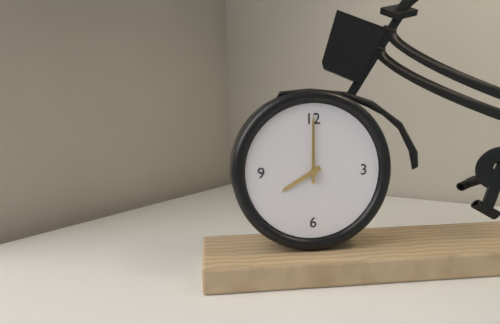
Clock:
h=8 m=0
